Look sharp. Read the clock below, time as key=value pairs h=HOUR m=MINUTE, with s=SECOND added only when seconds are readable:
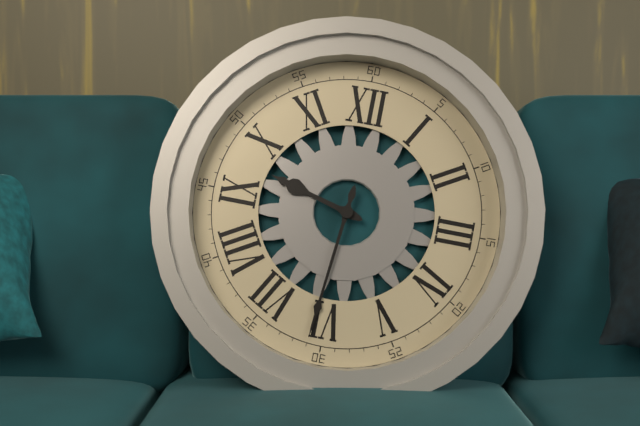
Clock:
h=9 m=31
